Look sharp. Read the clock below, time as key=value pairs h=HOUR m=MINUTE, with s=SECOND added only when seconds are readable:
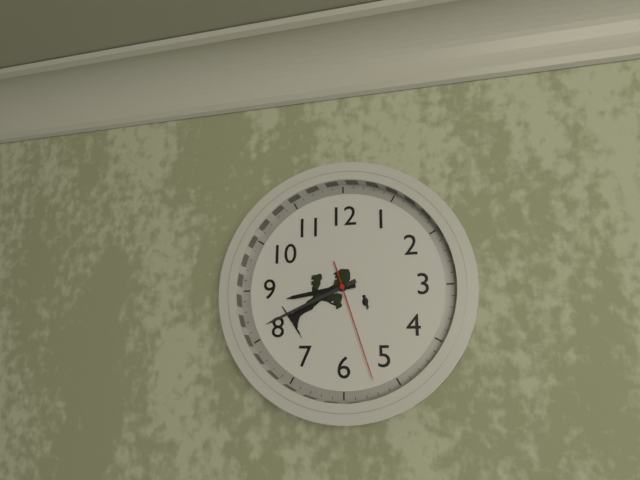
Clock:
h=8 m=41 s=27
